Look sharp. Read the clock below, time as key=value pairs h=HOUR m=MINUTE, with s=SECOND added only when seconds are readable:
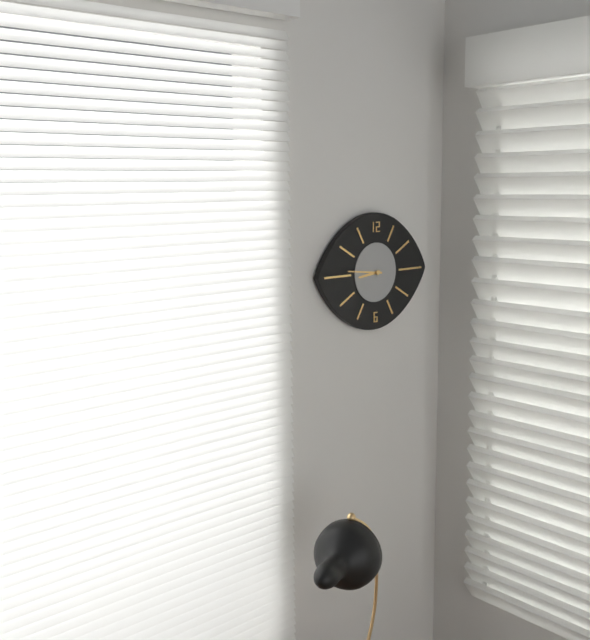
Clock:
h=8 m=46
